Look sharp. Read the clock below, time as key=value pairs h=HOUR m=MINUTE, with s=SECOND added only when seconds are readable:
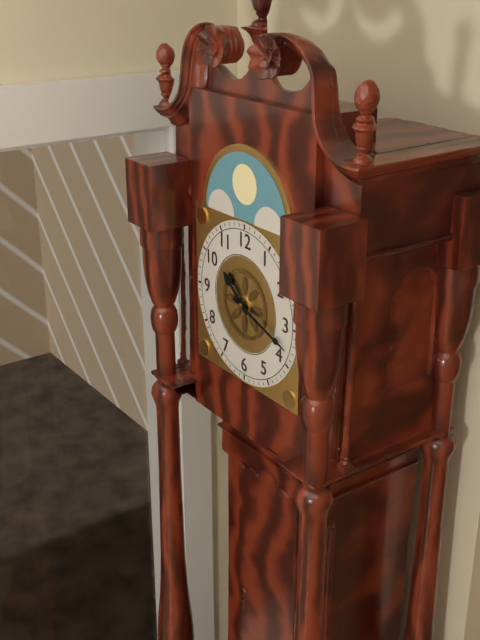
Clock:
h=10 m=18
